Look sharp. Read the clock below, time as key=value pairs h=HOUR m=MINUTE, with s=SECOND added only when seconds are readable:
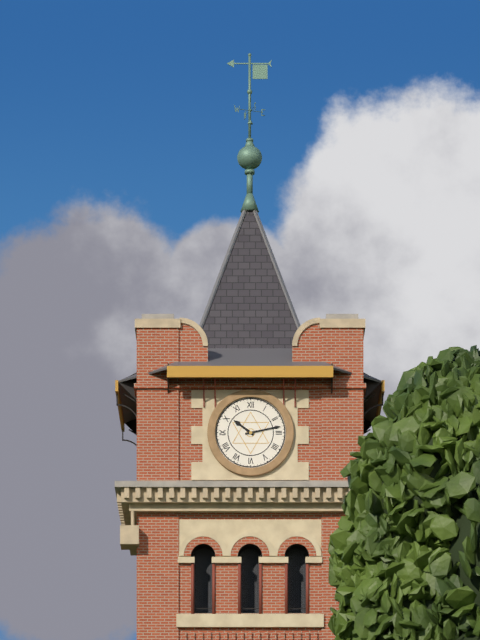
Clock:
h=10 m=13
